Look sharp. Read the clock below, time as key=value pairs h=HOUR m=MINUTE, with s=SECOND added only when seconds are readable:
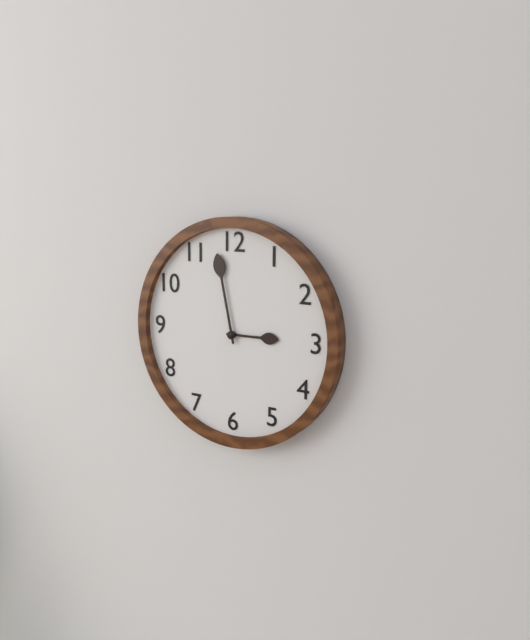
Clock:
h=2 m=58
